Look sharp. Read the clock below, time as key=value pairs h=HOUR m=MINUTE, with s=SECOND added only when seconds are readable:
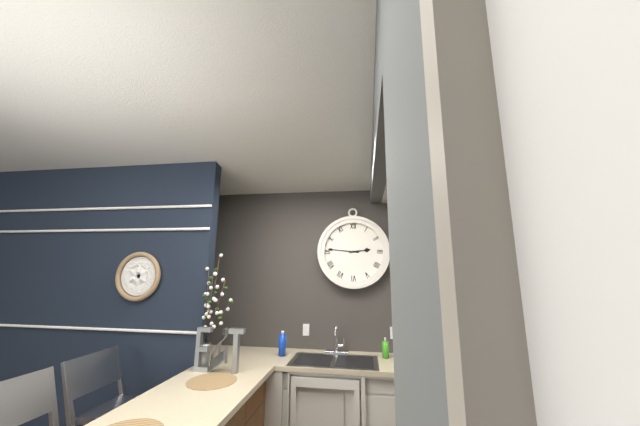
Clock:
h=2 m=46
